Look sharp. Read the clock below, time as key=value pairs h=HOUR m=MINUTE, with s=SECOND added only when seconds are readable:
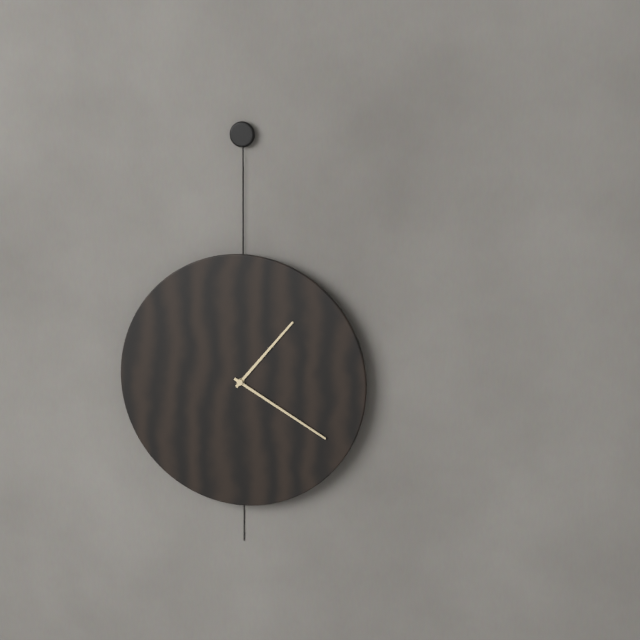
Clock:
h=1 m=20
